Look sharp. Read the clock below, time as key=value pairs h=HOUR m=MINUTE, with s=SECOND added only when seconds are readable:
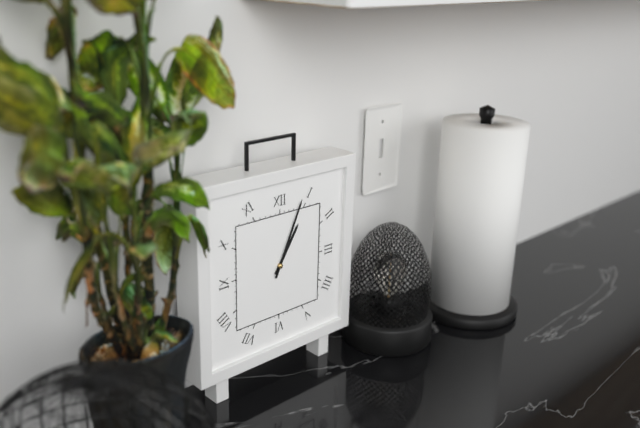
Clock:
h=1 m=4
